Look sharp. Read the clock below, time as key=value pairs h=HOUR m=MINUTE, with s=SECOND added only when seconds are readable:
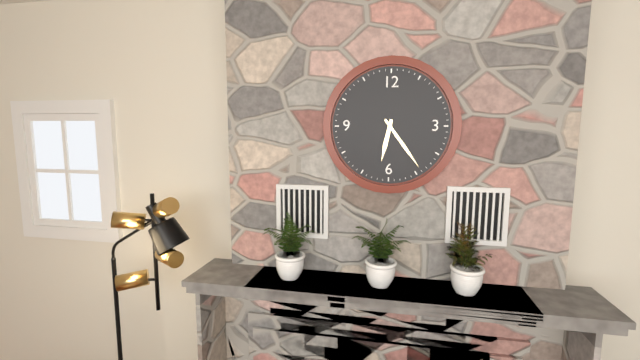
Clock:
h=6 m=24
